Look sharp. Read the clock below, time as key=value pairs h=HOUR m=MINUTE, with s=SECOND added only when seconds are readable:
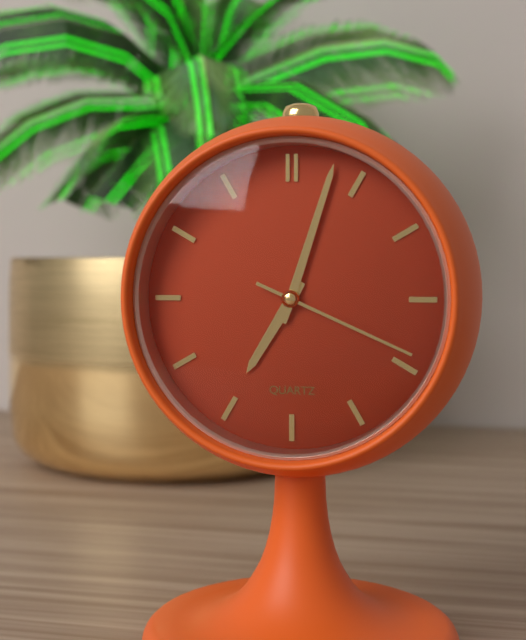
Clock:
h=7 m=3 s=19
